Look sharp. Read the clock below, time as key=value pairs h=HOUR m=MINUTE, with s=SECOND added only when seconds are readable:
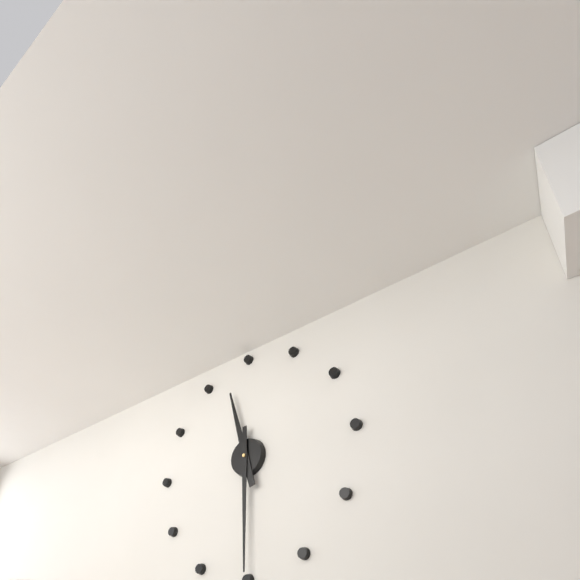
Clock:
h=11 m=30
